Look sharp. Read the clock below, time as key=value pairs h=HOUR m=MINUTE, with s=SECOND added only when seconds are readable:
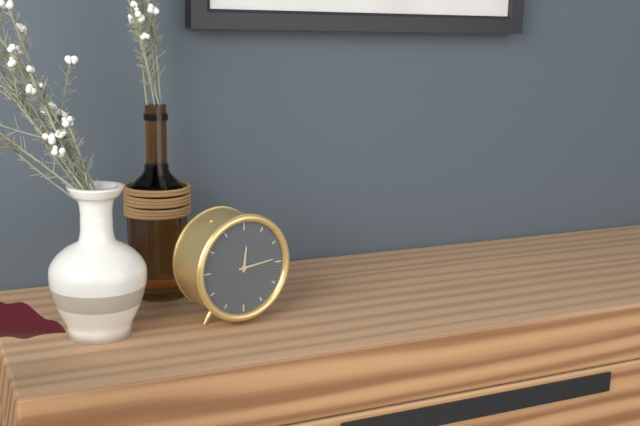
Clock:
h=12 m=14
